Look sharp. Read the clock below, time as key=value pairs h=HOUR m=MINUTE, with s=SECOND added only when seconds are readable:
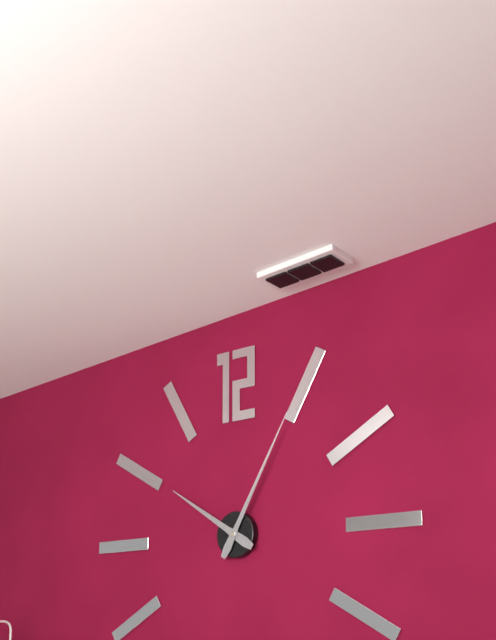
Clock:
h=10 m=5
